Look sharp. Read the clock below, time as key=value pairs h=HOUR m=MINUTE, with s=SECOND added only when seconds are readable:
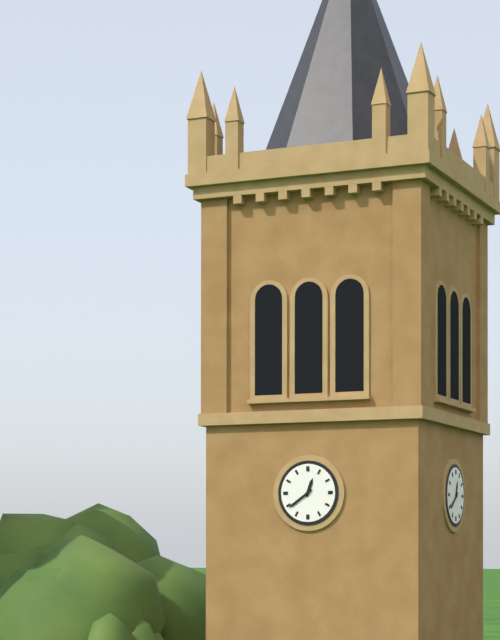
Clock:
h=12 m=39
